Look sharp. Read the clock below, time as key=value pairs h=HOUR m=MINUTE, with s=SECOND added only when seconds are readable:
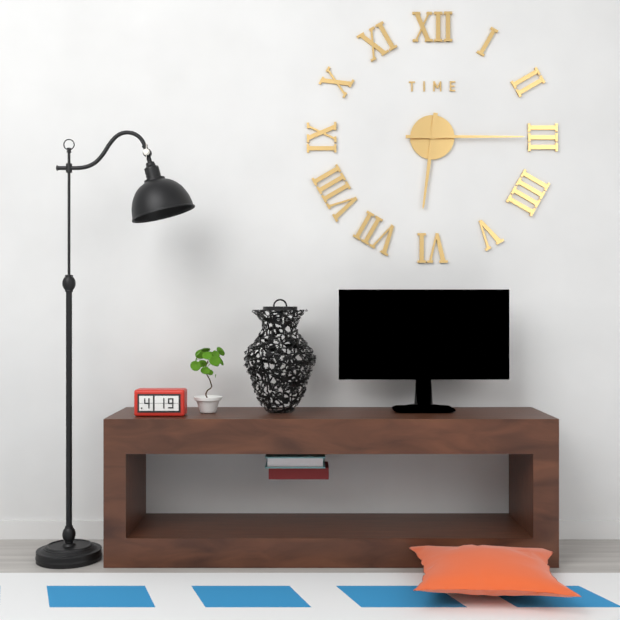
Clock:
h=6 m=15
